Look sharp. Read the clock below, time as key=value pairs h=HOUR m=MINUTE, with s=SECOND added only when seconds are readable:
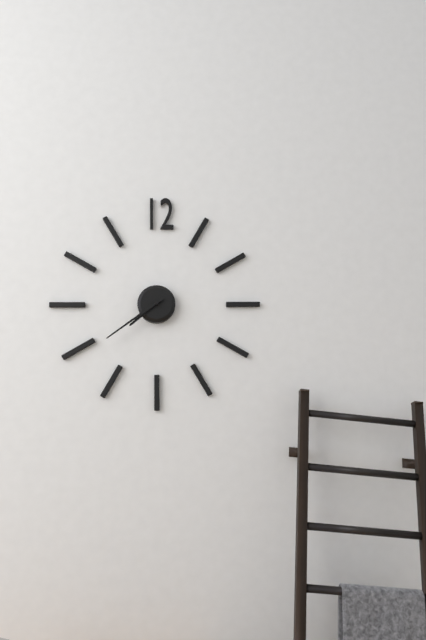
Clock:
h=7 m=39
